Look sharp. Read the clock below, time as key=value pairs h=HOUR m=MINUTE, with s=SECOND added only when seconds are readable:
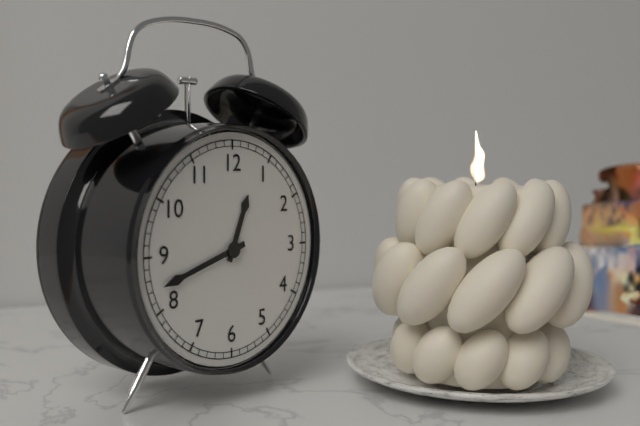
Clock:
h=12 m=42
